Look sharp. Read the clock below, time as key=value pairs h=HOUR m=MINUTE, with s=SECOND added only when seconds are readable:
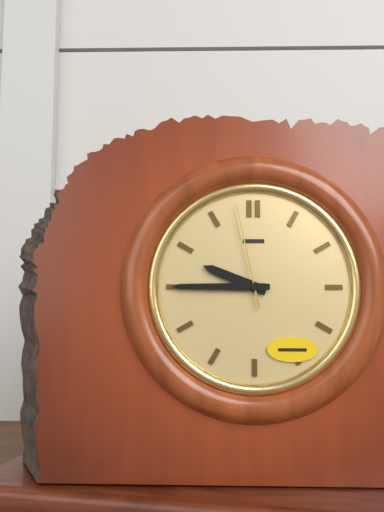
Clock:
h=9 m=45 s=58
